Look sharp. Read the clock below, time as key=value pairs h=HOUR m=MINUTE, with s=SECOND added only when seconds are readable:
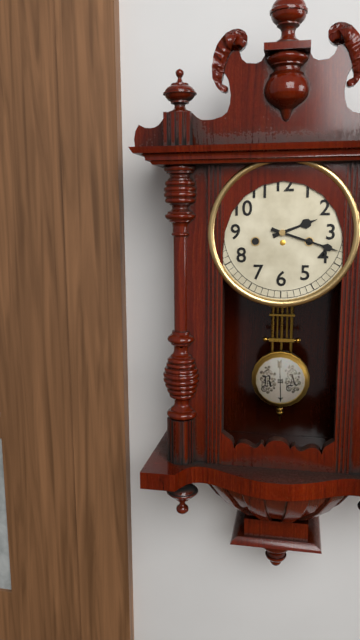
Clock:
h=2 m=18
